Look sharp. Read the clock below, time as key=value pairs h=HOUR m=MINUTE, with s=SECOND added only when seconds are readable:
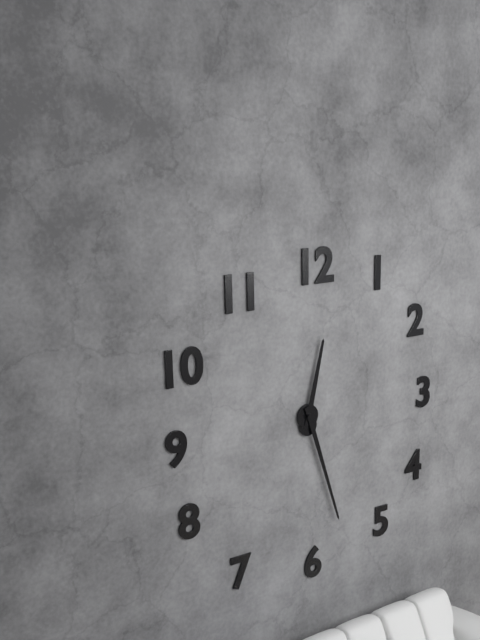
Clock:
h=12 m=27
